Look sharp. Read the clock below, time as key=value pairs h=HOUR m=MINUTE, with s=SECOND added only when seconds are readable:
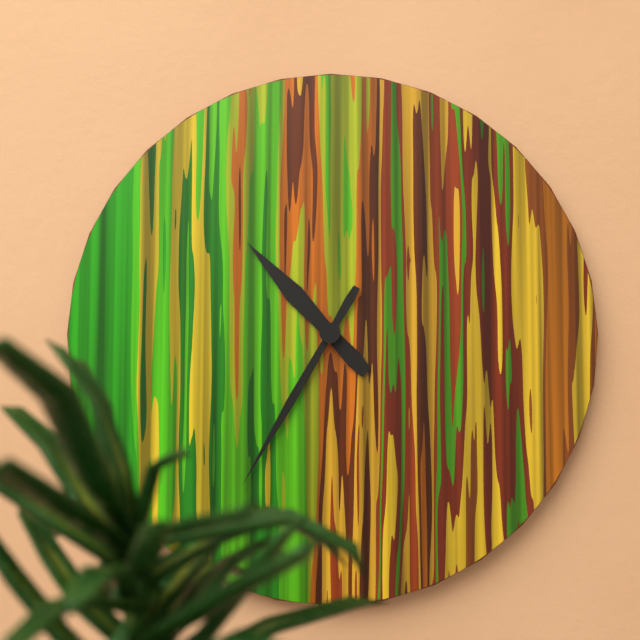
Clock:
h=10 m=35
